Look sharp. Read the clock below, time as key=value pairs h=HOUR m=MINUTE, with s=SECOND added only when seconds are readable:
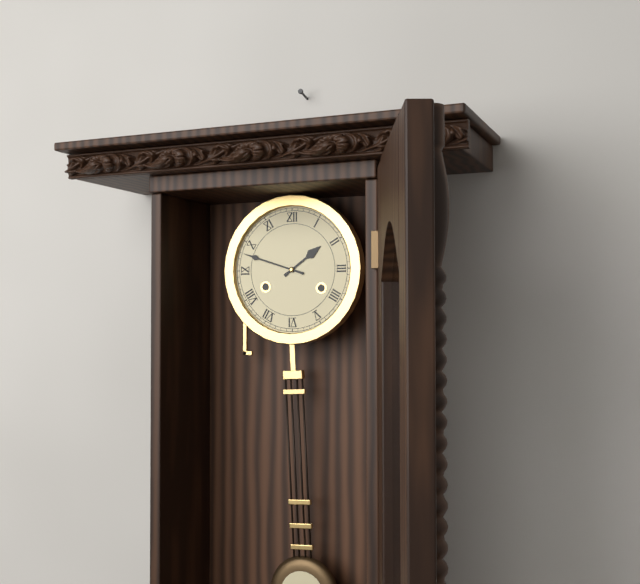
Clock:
h=1 m=48
